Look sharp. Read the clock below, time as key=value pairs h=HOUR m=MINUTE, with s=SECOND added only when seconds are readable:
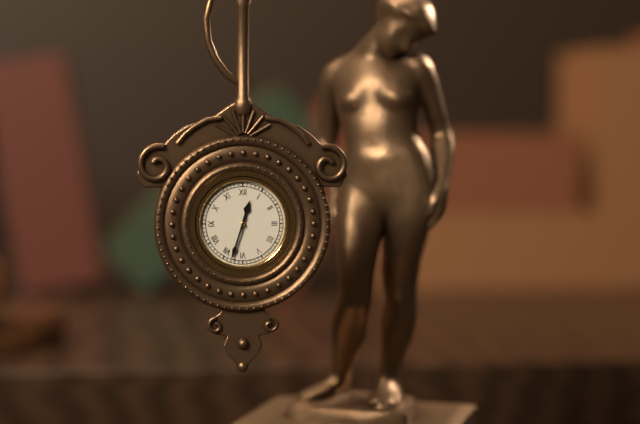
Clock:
h=12 m=33
